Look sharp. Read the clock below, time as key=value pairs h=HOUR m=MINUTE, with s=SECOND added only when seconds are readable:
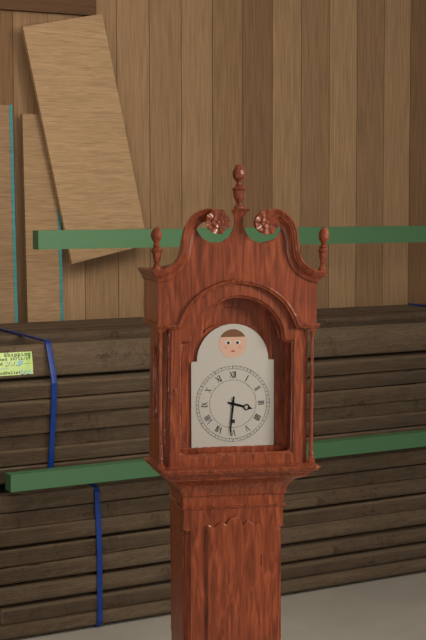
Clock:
h=3 m=31
